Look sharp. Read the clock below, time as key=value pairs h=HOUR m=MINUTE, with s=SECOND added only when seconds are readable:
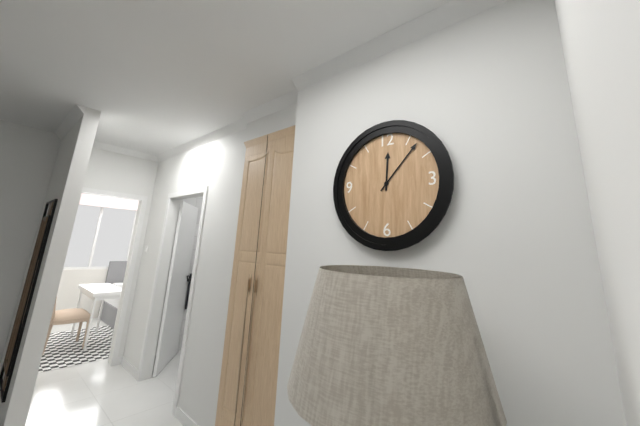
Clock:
h=12 m=7
